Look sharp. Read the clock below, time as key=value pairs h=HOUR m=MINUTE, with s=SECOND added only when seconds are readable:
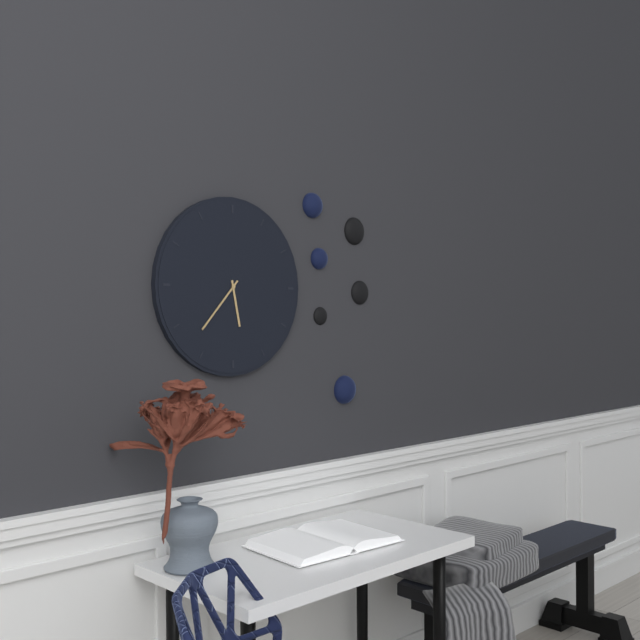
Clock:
h=5 m=37
